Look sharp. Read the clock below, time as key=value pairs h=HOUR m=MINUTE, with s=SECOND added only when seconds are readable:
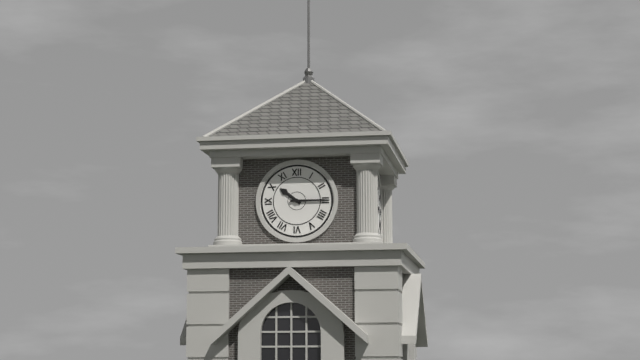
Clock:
h=10 m=15
